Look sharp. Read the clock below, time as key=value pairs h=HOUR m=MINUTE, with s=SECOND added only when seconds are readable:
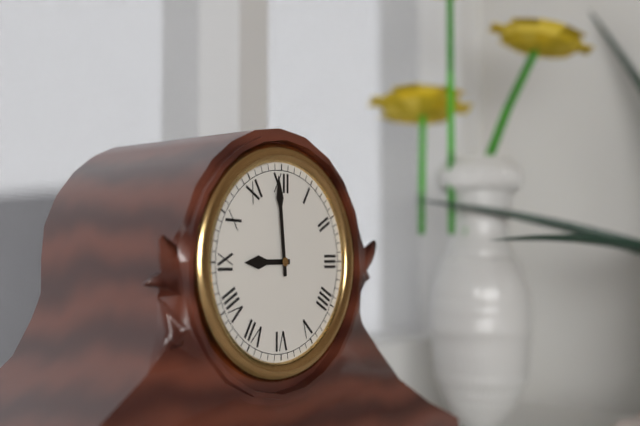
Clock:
h=8 m=59
